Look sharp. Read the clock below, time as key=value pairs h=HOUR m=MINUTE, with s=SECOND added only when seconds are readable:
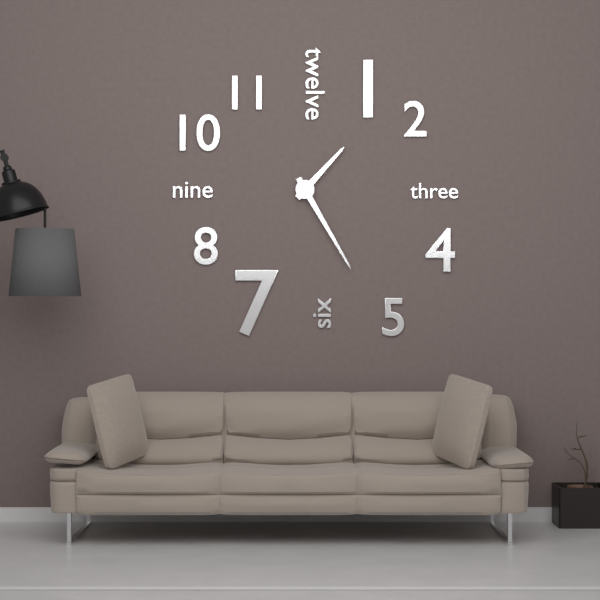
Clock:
h=1 m=25
